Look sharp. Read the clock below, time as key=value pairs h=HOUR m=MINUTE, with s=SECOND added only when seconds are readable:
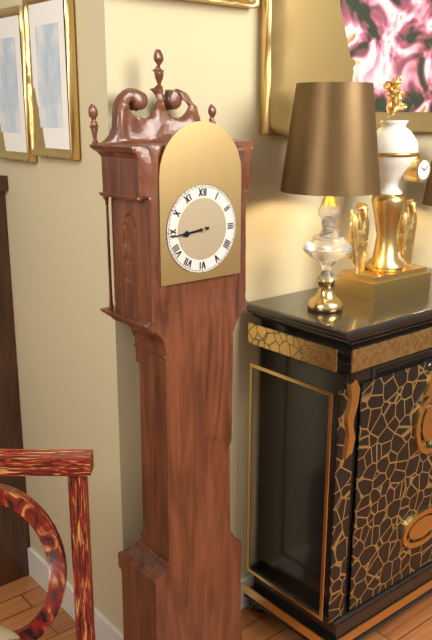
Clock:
h=8 m=44
